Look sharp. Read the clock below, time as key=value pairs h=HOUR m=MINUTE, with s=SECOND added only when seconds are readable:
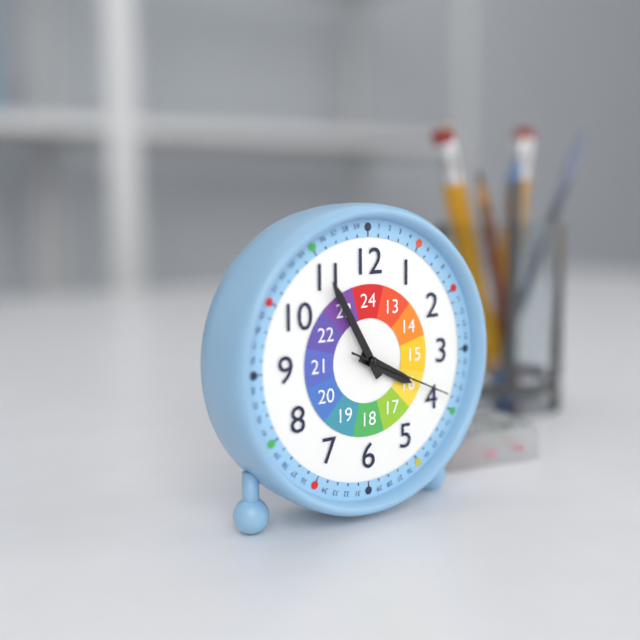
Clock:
h=3 m=55 s=19
